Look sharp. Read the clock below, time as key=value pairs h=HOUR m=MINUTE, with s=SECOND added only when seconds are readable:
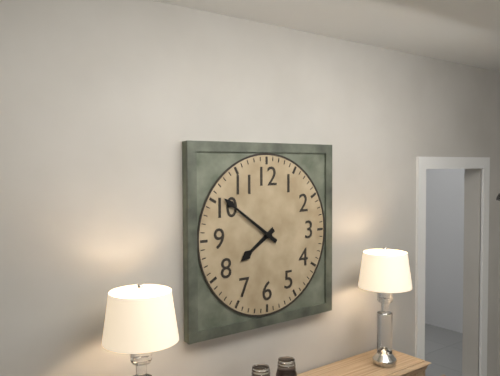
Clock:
h=7 m=51
